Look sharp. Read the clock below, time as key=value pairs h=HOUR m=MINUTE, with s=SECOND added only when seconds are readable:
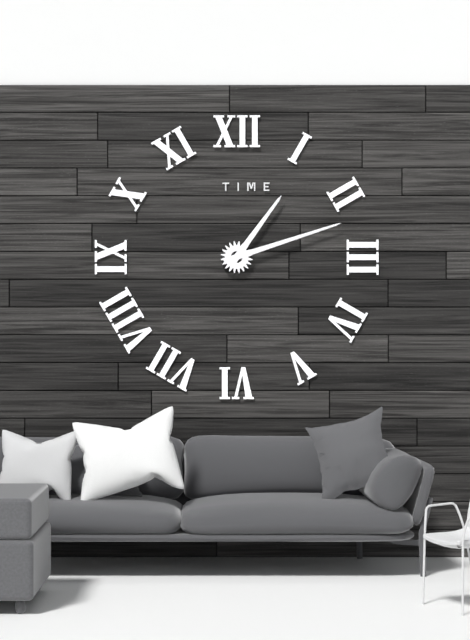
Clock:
h=1 m=12
